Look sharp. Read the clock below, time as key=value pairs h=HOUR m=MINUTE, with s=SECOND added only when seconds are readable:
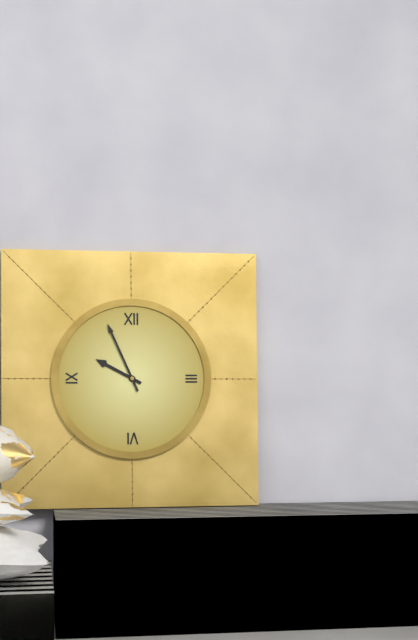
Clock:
h=9 m=56
